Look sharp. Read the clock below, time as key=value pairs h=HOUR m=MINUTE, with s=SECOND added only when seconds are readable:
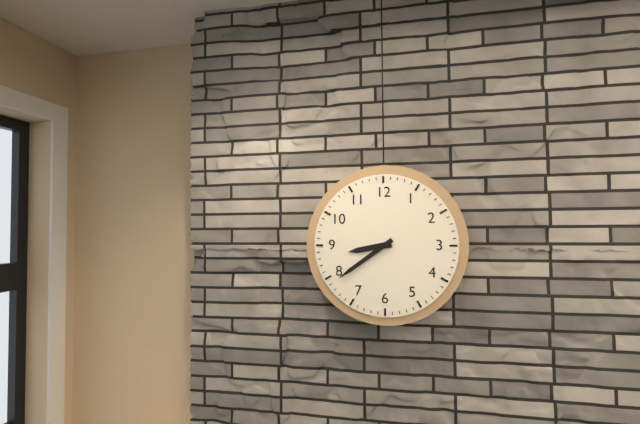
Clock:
h=8 m=39
